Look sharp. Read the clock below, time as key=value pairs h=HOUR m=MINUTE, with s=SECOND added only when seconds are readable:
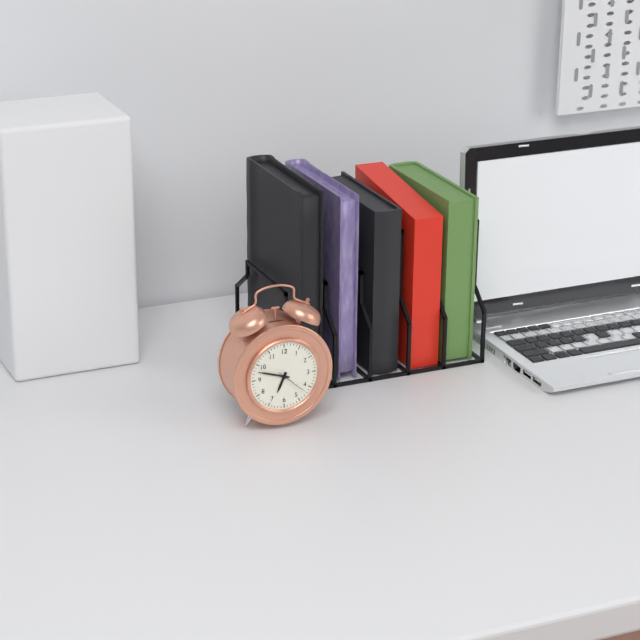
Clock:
h=6 m=48
